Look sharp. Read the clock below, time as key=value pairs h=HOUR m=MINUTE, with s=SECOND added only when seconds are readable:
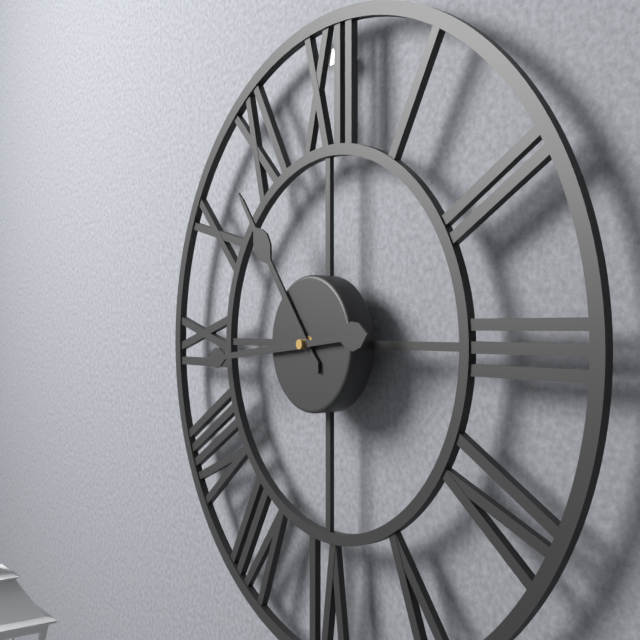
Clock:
h=10 m=44
